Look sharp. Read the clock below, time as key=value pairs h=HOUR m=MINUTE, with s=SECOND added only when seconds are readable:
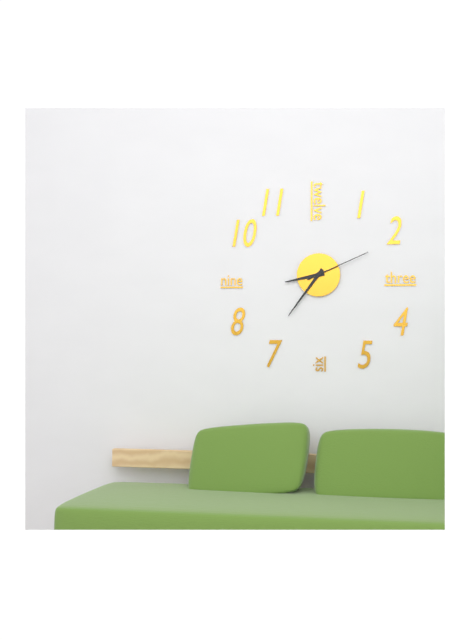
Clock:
h=8 m=36 s=11
